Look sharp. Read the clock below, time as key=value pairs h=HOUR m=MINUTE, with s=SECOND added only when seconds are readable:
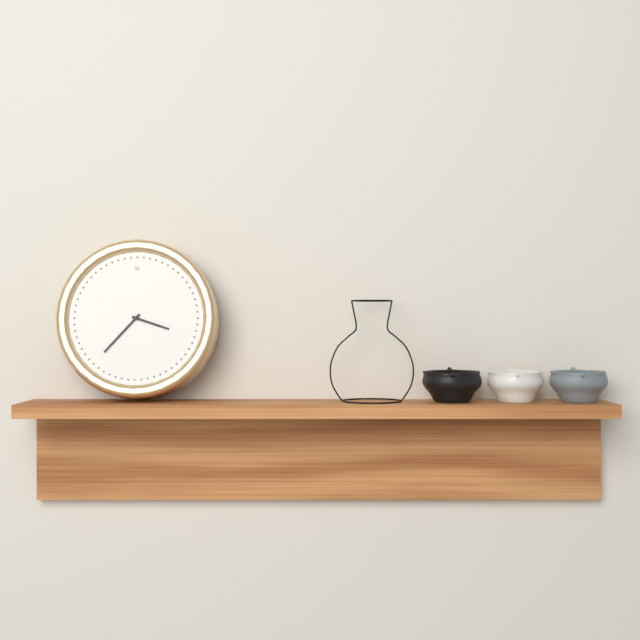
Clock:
h=3 m=37
